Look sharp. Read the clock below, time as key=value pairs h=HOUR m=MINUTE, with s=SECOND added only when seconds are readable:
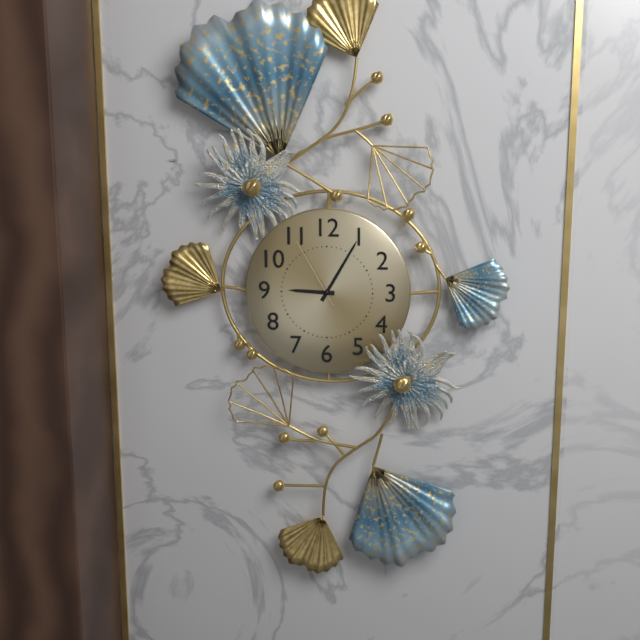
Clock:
h=9 m=5 s=55
